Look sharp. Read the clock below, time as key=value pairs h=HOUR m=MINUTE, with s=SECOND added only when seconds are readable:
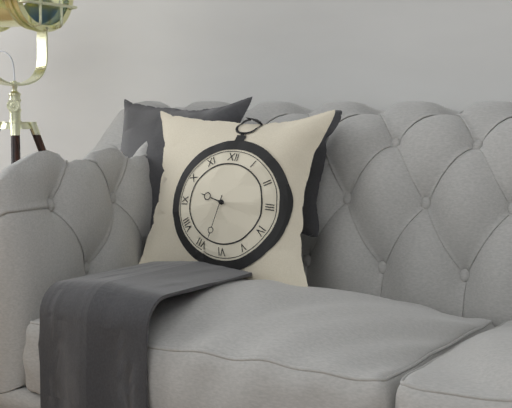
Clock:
h=9 m=32
